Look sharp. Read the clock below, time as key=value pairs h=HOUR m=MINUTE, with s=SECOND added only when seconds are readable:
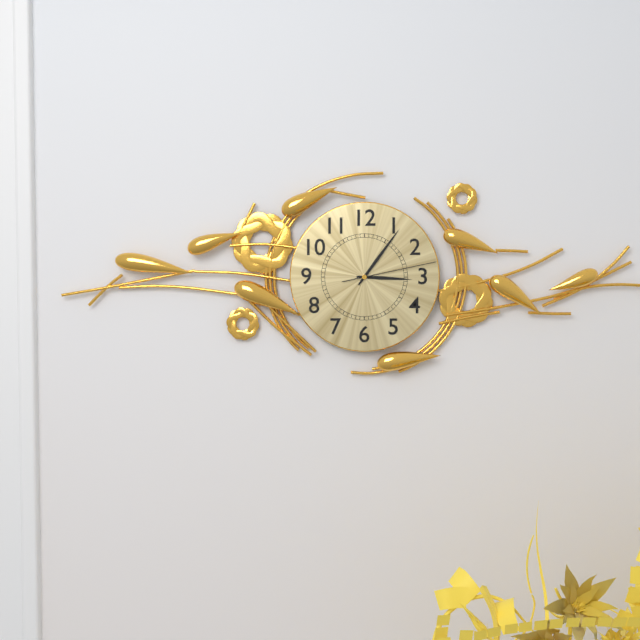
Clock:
h=3 m=6 s=13
